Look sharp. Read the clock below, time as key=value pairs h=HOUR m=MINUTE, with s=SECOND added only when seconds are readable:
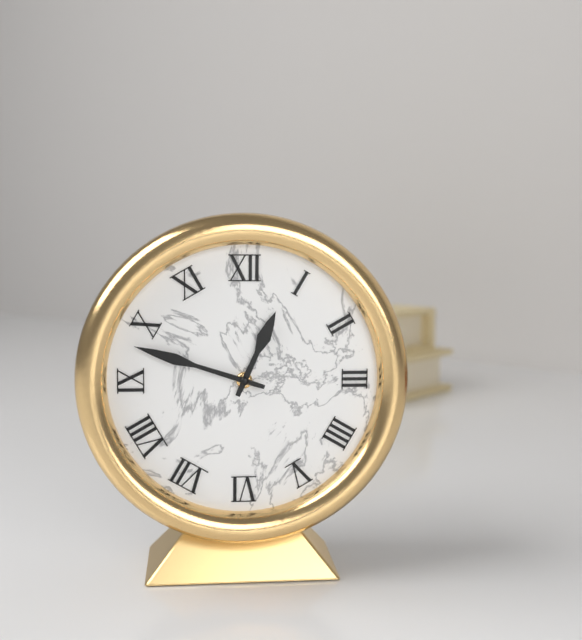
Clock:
h=12 m=48
